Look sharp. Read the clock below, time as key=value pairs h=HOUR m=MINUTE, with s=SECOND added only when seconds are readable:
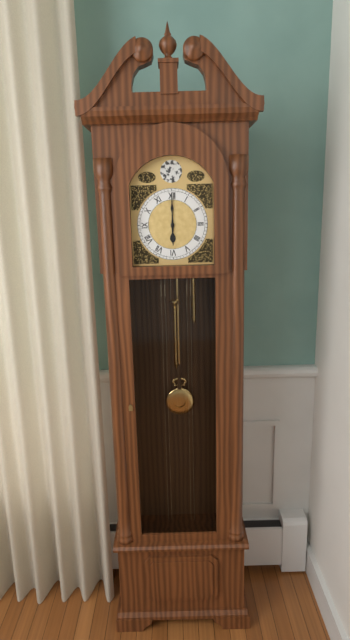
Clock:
h=6 m=0
